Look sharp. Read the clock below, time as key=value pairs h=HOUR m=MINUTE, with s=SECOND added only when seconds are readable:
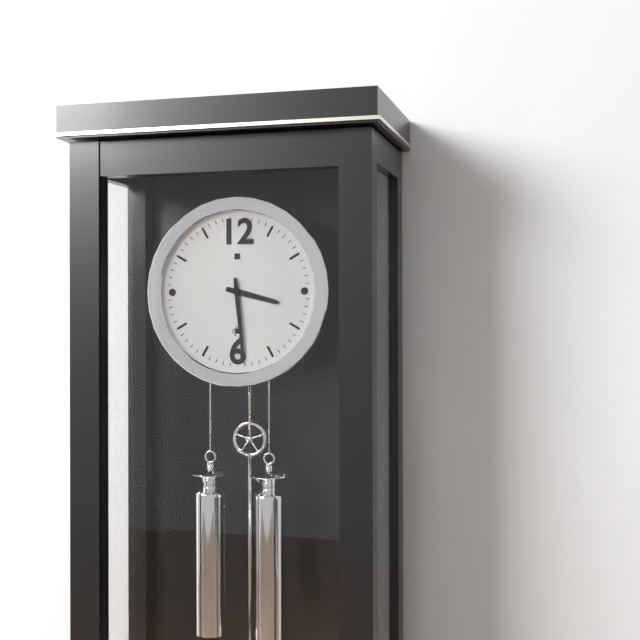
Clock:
h=3 m=29
